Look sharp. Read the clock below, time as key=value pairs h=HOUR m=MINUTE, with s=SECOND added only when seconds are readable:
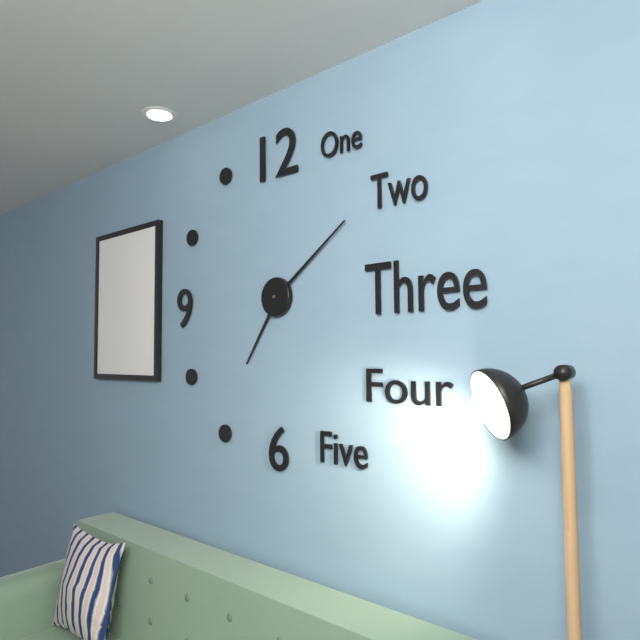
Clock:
h=7 m=9
